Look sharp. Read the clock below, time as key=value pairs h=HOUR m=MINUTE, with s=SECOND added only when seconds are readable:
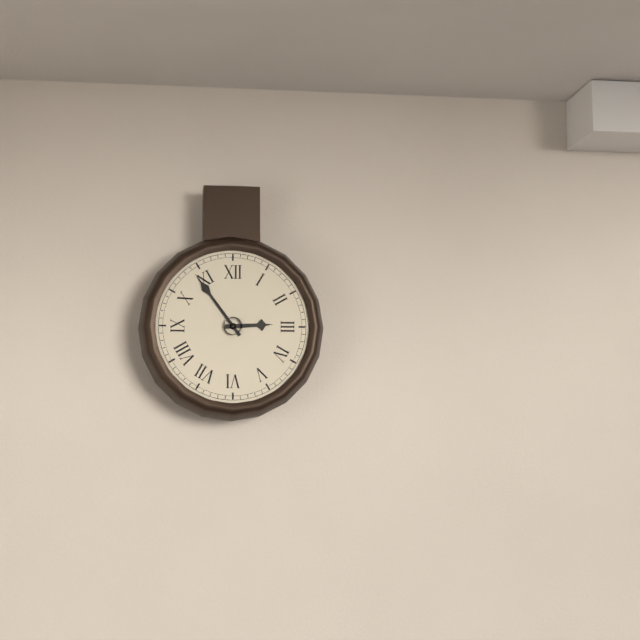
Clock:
h=2 m=54
